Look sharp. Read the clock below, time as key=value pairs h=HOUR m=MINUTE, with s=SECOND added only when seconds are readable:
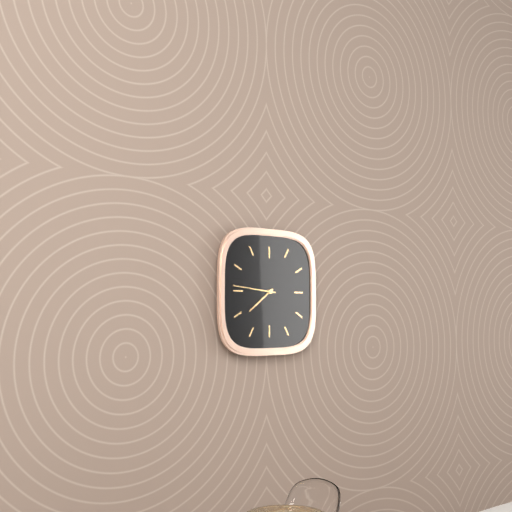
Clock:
h=7 m=46
